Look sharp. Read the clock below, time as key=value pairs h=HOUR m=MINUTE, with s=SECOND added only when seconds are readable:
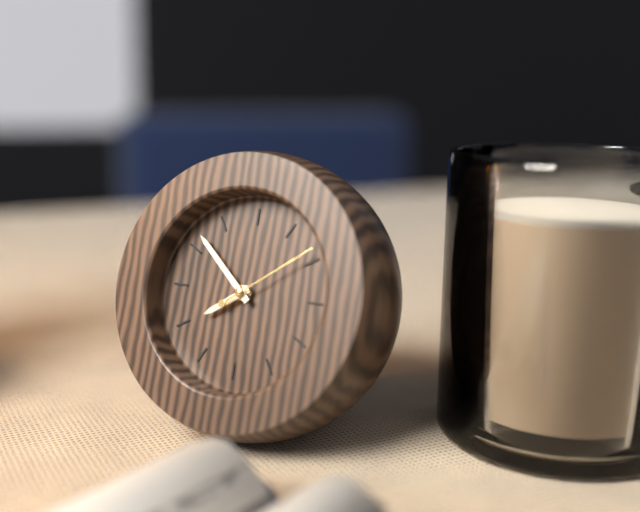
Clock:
h=7 m=52 s=9
